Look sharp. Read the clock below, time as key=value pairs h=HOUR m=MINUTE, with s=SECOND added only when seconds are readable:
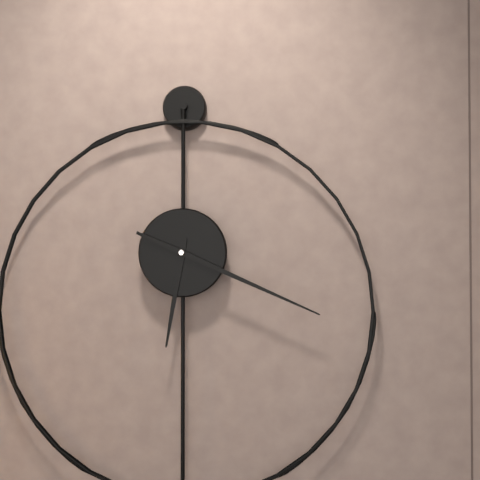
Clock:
h=6 m=19
